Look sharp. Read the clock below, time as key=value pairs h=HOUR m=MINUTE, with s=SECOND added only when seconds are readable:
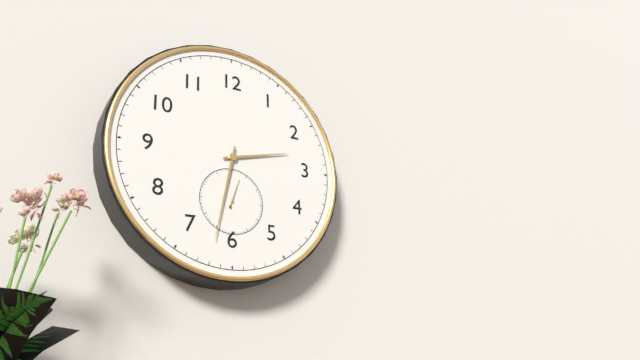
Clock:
h=2 m=32
